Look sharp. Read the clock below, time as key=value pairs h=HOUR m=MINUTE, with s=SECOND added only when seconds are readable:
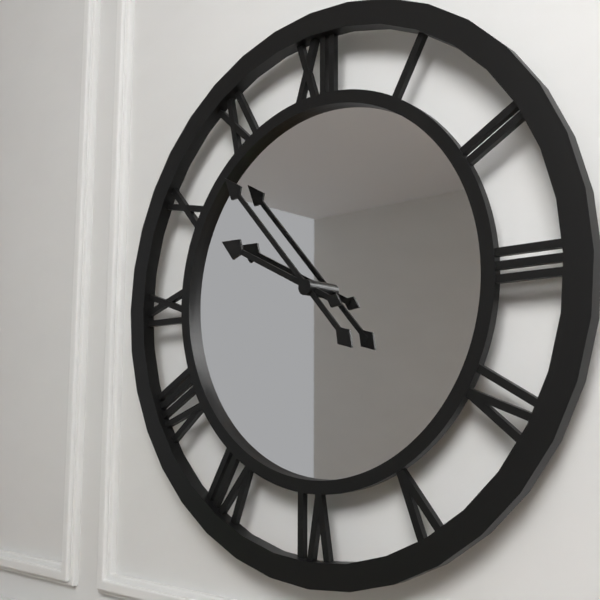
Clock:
h=9 m=53
